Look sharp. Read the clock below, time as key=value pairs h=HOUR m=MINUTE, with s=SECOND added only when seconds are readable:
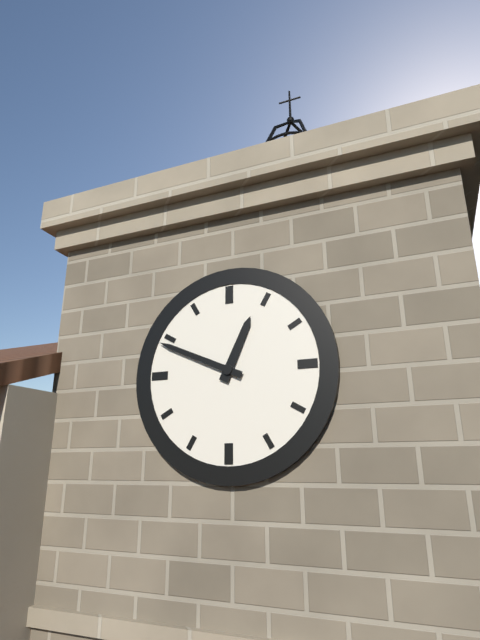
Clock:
h=12 m=49
